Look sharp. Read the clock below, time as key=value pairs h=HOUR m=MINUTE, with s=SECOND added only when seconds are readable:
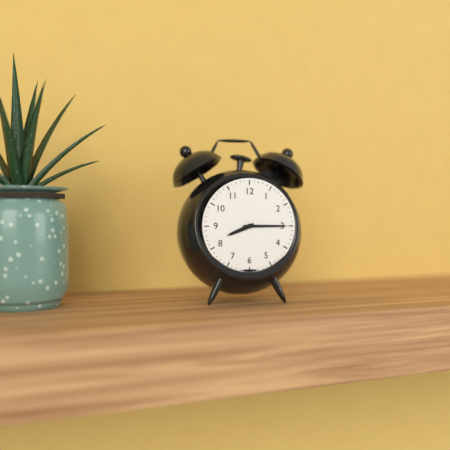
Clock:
h=8 m=15
